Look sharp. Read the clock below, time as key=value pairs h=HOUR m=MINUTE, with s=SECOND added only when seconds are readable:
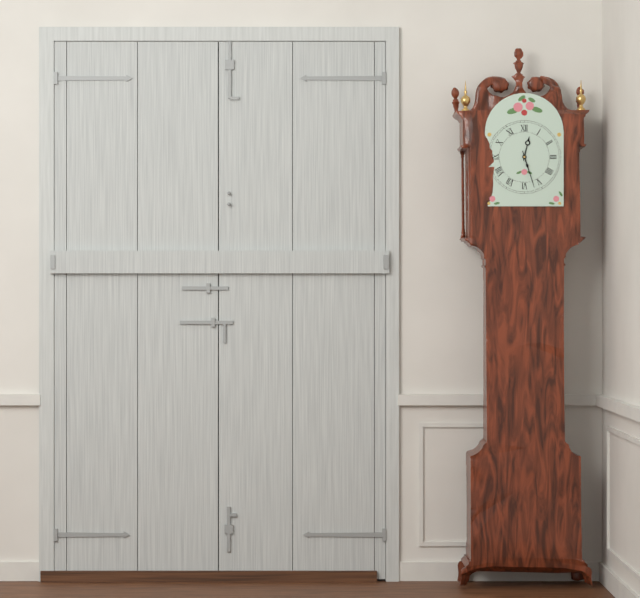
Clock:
h=12 m=27
